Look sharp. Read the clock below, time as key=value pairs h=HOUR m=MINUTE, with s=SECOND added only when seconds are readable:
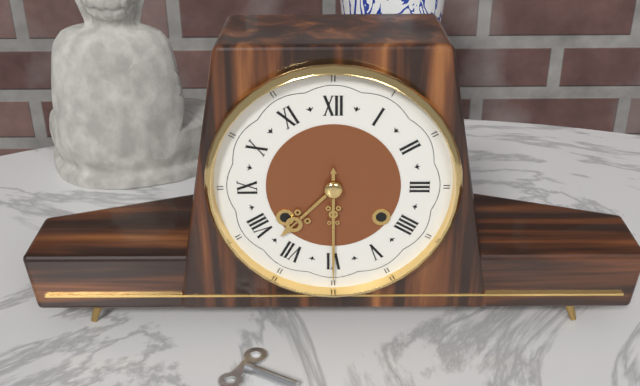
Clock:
h=7 m=30
